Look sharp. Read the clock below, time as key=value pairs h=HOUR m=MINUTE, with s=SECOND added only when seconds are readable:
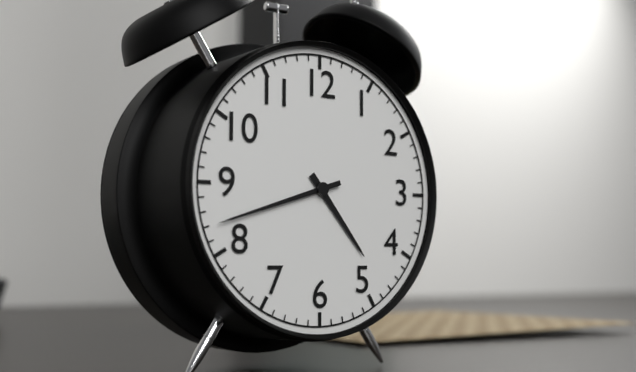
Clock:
h=4 m=42
